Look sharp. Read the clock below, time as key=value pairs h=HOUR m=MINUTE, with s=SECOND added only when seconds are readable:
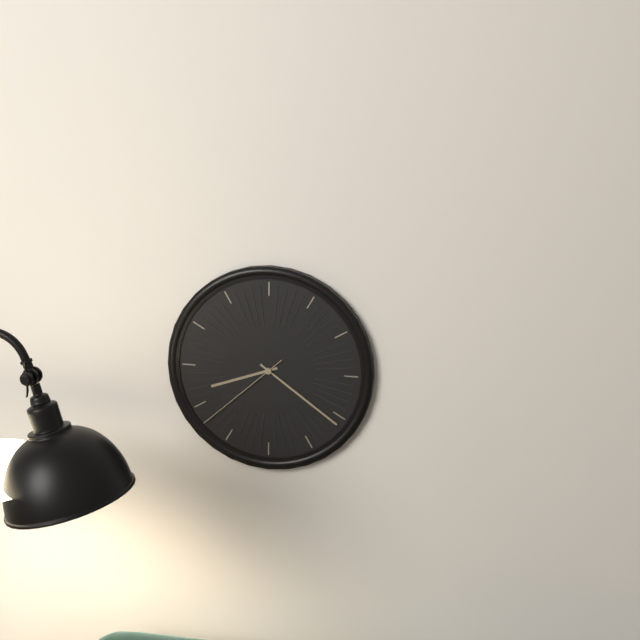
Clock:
h=8 m=21 s=38
